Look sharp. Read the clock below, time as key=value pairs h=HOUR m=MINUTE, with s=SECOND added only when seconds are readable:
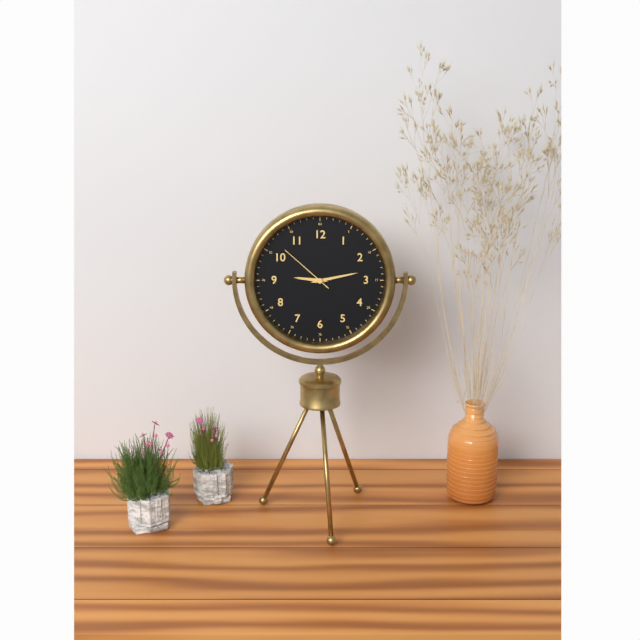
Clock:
h=9 m=13 s=52
